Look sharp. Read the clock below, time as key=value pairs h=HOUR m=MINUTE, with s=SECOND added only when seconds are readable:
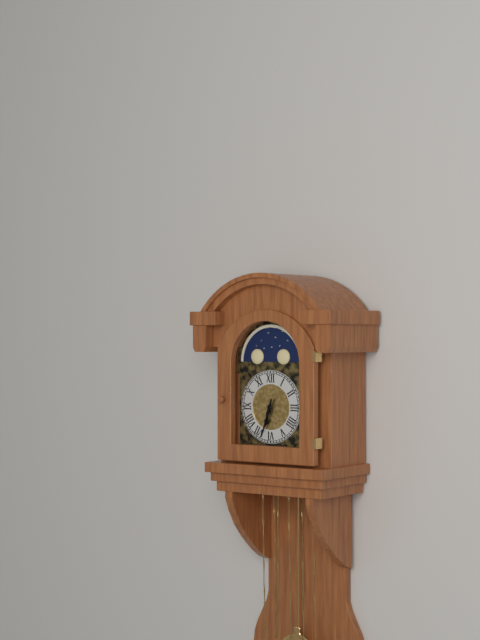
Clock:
h=6 m=33
